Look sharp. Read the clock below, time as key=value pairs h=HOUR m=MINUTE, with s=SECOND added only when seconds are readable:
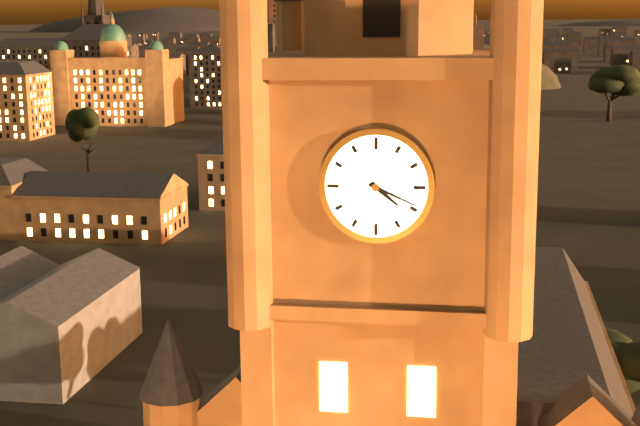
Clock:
h=4 m=19
